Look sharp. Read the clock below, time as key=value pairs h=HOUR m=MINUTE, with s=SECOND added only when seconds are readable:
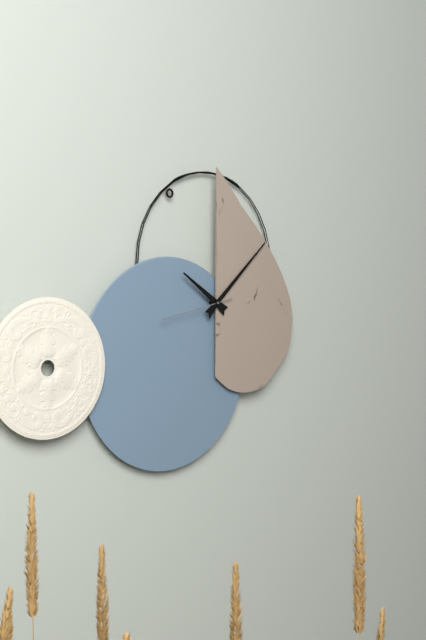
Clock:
h=10 m=8 s=43
